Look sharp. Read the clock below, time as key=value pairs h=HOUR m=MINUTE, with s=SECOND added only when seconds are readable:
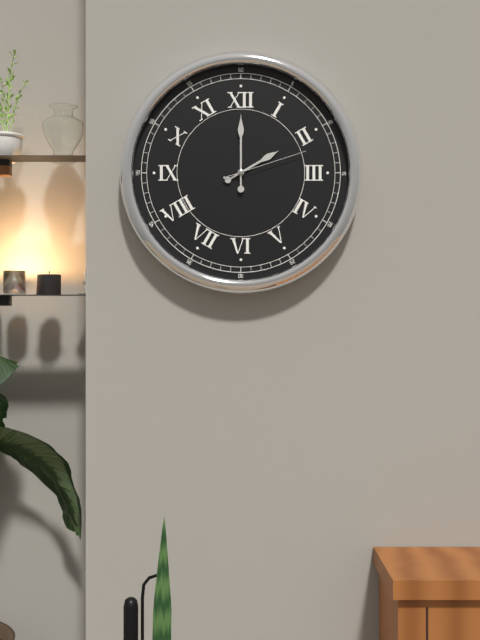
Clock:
h=2 m=0 s=12
